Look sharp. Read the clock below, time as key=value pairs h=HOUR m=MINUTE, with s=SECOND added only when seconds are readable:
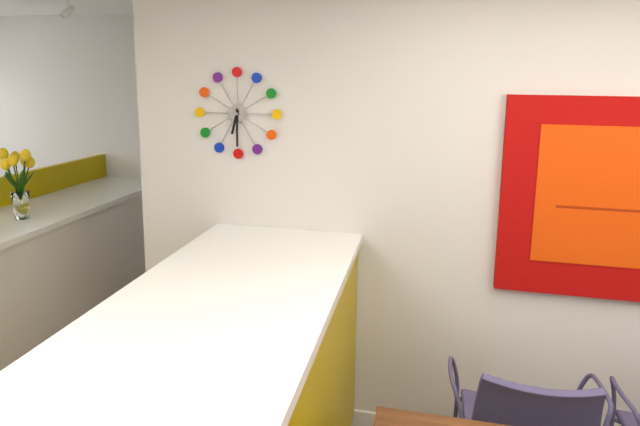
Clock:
h=6 m=30
